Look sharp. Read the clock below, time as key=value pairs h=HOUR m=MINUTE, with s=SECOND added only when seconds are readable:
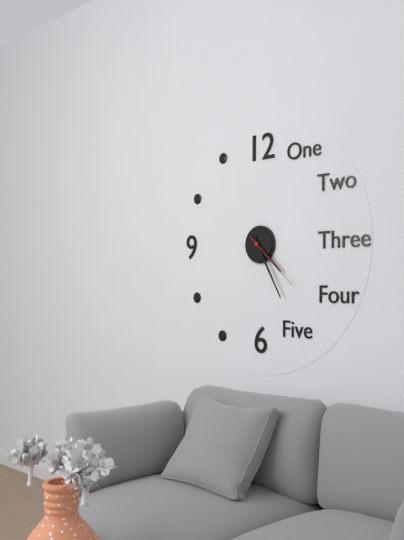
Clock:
h=4 m=25 s=22
